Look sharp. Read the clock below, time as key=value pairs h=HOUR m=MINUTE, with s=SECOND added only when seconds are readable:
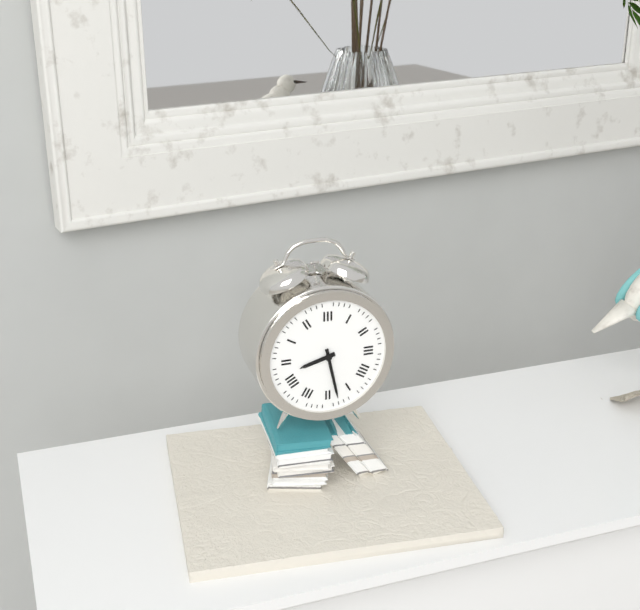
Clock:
h=8 m=28
